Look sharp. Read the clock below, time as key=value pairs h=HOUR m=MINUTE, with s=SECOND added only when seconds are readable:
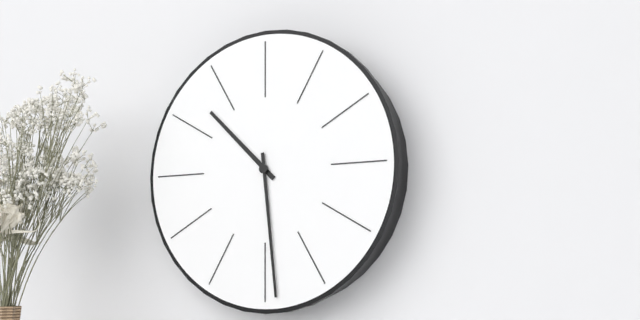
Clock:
h=10 m=29
